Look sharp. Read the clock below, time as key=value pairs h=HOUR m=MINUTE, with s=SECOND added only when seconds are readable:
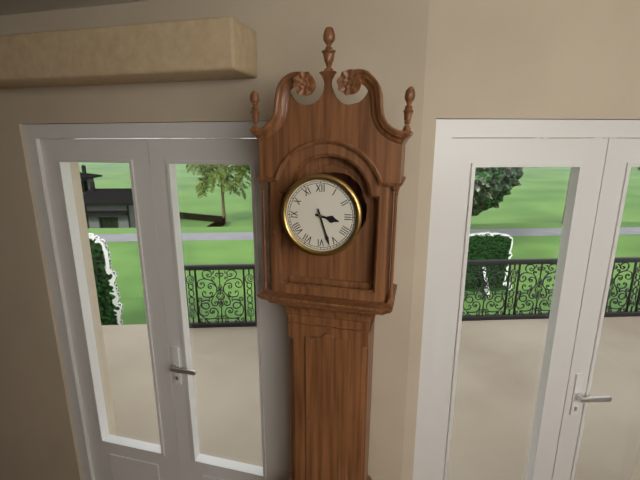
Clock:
h=3 m=27
